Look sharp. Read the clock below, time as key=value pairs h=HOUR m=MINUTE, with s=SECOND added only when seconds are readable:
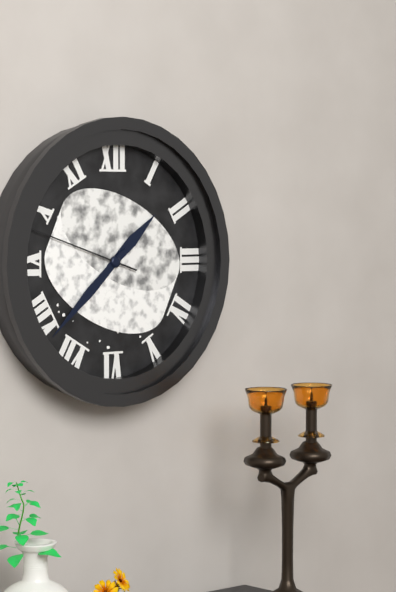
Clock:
h=1 m=38 s=48
